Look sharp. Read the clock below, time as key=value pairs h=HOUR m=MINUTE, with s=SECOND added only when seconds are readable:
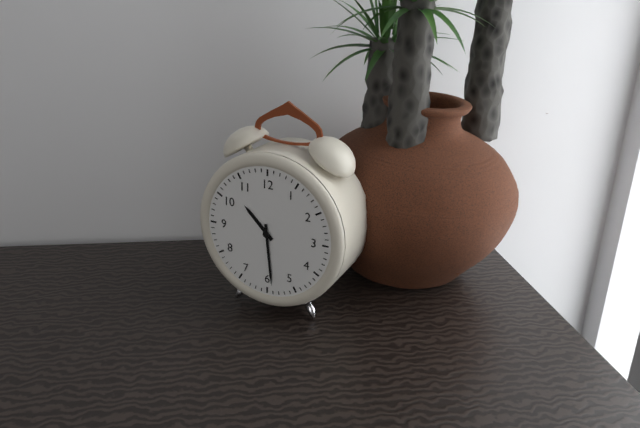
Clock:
h=10 m=29
